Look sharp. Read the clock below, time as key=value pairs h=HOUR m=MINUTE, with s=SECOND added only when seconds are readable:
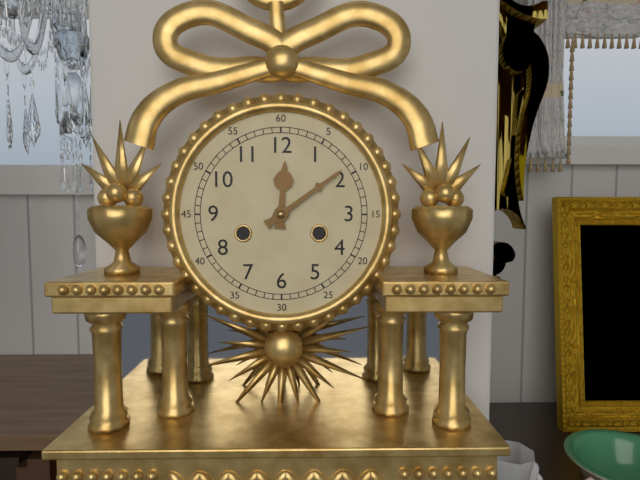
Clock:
h=12 m=9
